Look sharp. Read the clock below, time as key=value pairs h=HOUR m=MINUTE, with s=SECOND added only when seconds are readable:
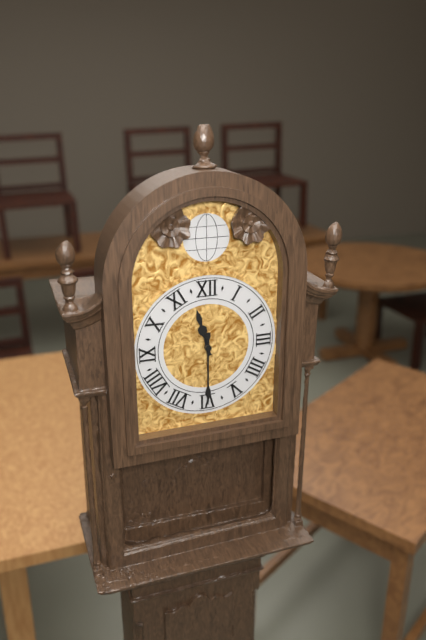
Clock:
h=11 m=30
